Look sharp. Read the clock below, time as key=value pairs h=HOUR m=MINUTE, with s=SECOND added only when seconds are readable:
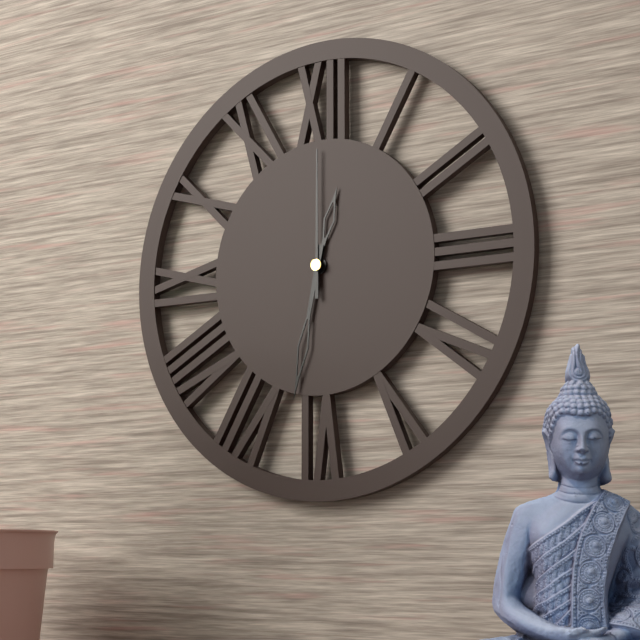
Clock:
h=12 m=32 s=0
